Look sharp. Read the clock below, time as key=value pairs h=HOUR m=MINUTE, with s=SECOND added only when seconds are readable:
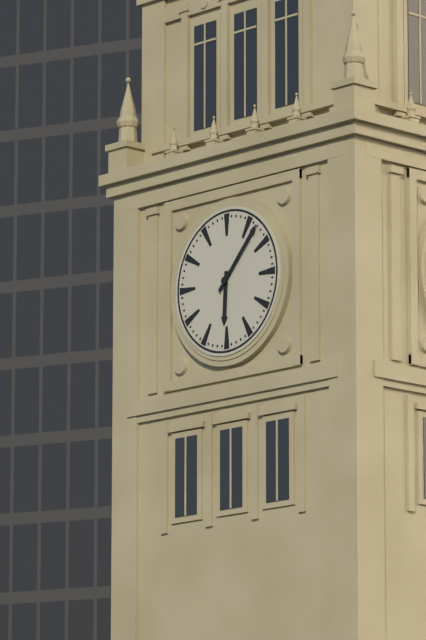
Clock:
h=6 m=7
